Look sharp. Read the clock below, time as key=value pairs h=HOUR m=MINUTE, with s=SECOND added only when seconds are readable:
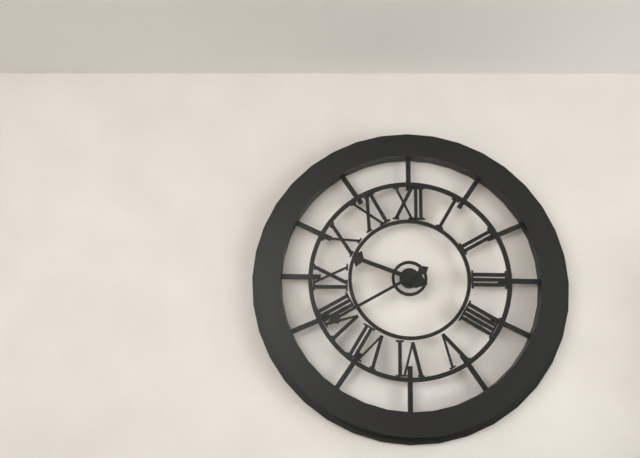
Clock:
h=9 m=40
